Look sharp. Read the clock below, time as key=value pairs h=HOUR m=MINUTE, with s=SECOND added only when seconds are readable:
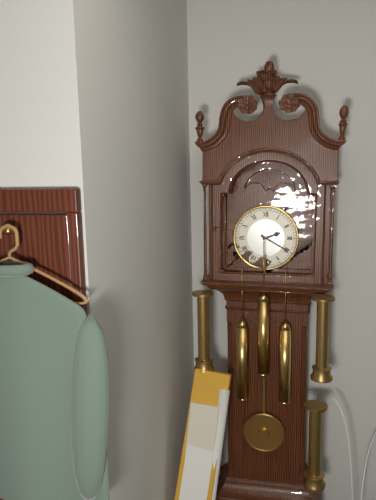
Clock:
h=2 m=20
